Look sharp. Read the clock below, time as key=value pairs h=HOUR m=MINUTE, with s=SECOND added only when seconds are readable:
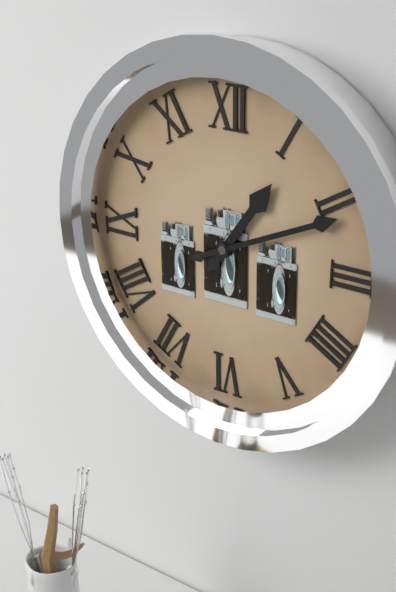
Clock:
h=1 m=11
